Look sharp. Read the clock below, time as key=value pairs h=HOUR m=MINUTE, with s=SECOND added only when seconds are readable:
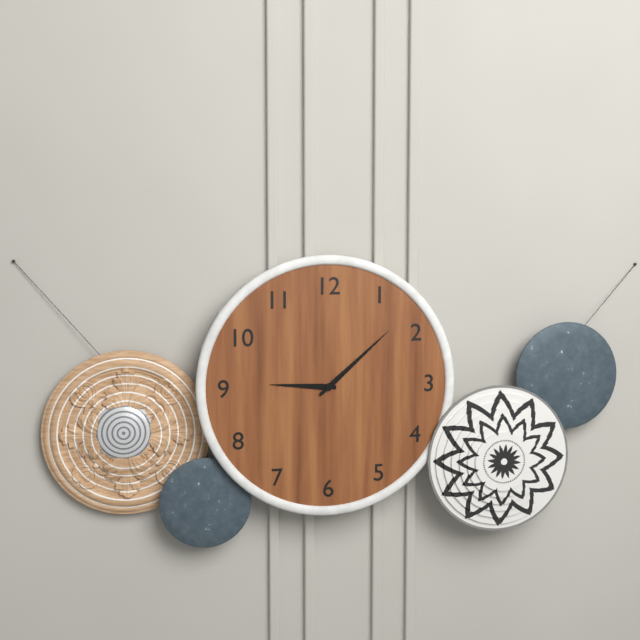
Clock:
h=9 m=8
